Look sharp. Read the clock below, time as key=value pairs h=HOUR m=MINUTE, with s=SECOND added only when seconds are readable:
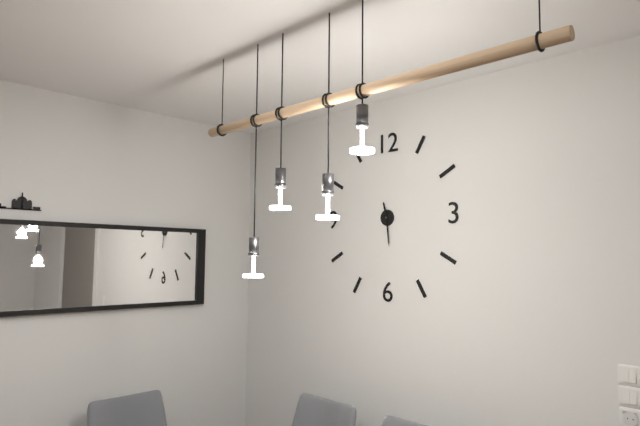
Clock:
h=11 m=29
